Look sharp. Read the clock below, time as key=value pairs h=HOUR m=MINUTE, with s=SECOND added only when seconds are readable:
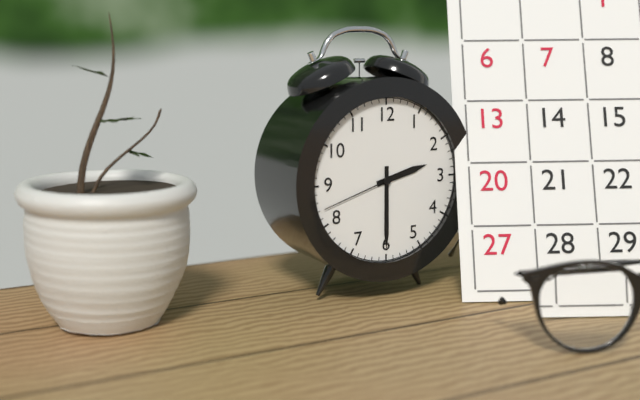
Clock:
h=2 m=30 s=42
